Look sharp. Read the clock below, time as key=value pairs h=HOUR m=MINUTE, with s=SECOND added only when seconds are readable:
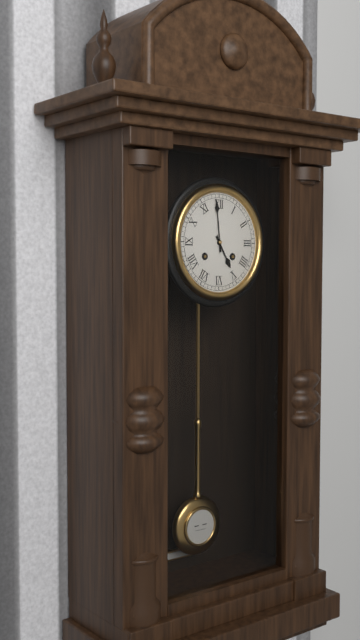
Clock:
h=4 m=59
